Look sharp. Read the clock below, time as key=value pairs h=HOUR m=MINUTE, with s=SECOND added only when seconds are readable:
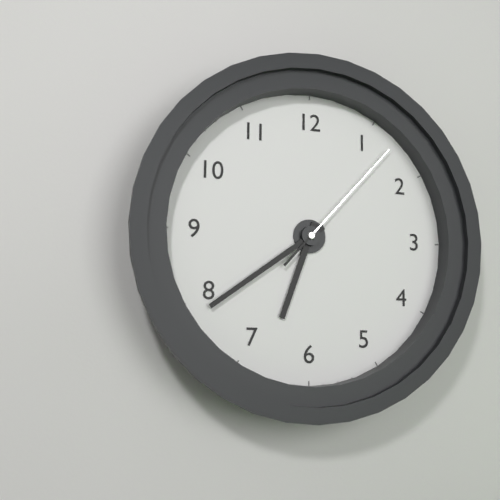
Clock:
h=6 m=39 s=7
